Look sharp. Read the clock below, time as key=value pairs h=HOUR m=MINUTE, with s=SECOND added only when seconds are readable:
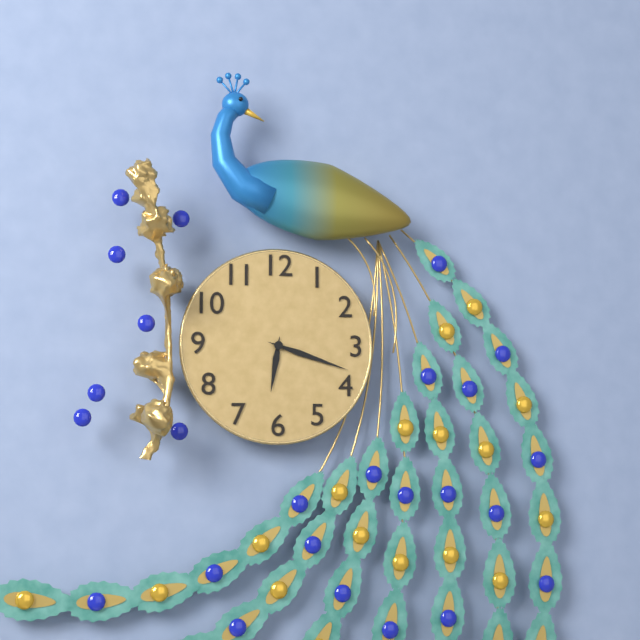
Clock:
h=6 m=18
